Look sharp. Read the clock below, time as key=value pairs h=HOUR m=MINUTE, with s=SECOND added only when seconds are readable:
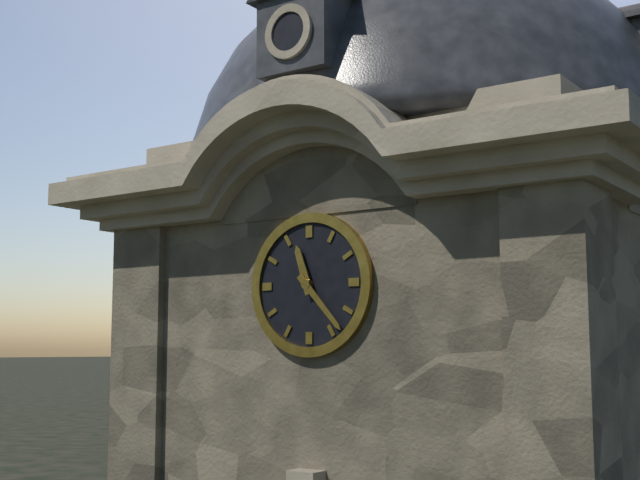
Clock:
h=11 m=23
